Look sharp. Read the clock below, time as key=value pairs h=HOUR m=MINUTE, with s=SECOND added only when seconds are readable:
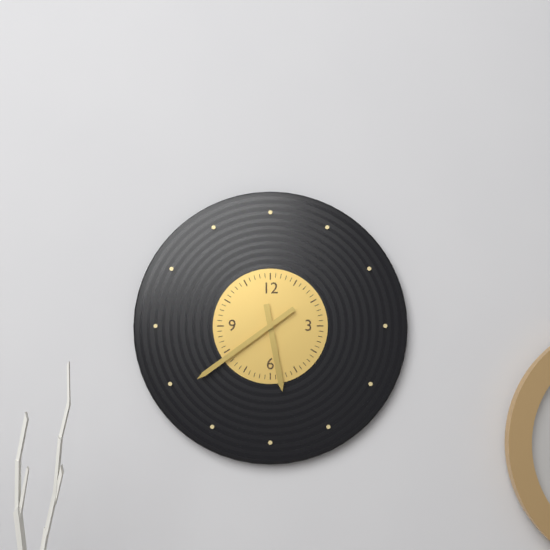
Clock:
h=5 m=39
